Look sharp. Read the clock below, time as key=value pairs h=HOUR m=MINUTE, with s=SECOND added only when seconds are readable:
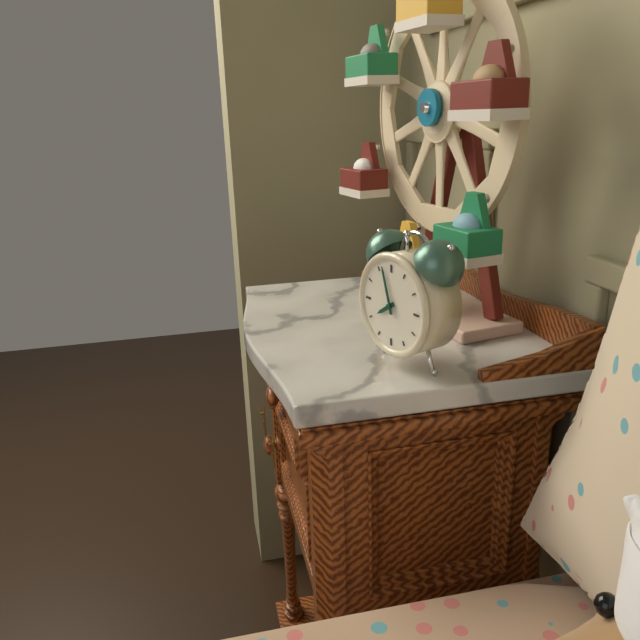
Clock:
h=7 m=57
